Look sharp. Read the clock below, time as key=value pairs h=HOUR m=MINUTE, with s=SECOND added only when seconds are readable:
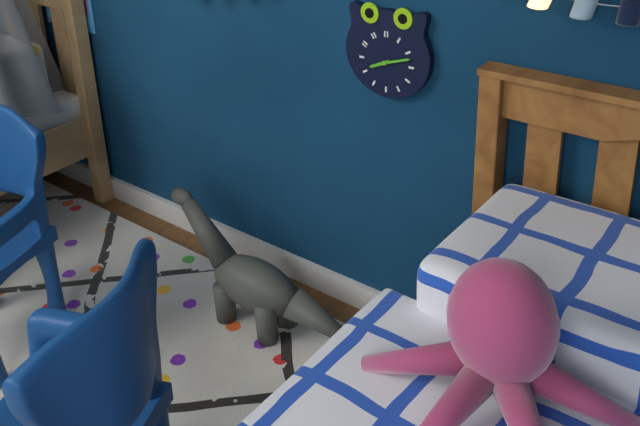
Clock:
h=8 m=12
